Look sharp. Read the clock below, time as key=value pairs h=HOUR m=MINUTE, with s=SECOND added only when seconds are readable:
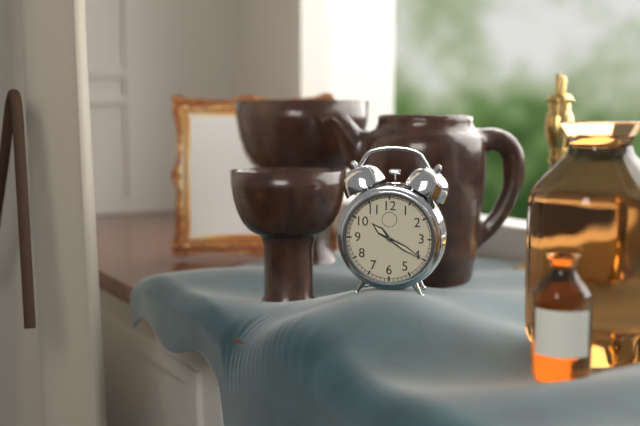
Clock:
h=10 m=20
